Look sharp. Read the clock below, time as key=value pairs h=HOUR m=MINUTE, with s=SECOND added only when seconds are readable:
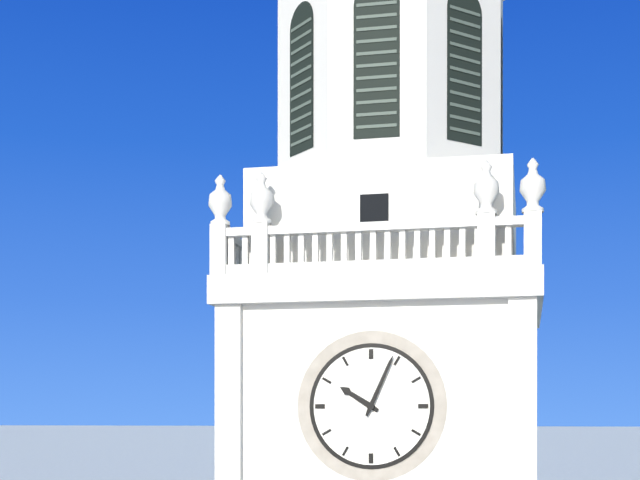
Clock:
h=10 m=4
